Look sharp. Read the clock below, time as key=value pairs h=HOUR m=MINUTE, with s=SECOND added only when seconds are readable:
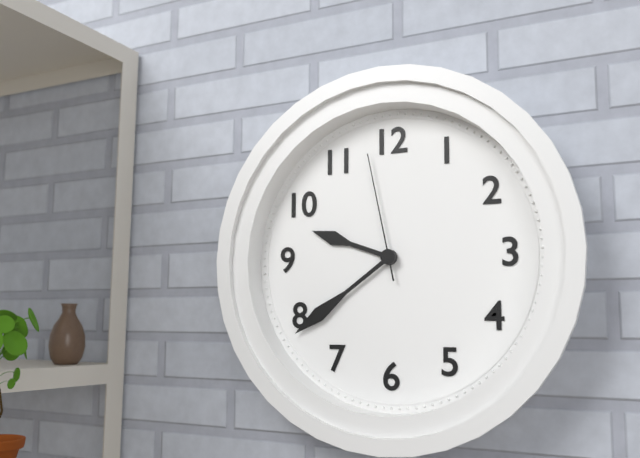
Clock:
h=9 m=39 s=58
